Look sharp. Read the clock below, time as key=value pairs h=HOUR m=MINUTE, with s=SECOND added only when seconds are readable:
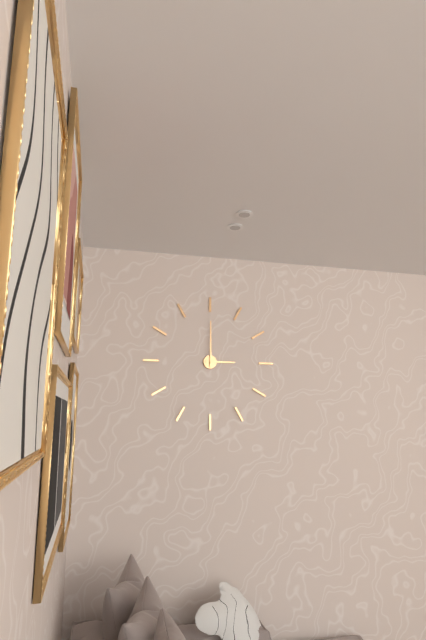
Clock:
h=3 m=0
